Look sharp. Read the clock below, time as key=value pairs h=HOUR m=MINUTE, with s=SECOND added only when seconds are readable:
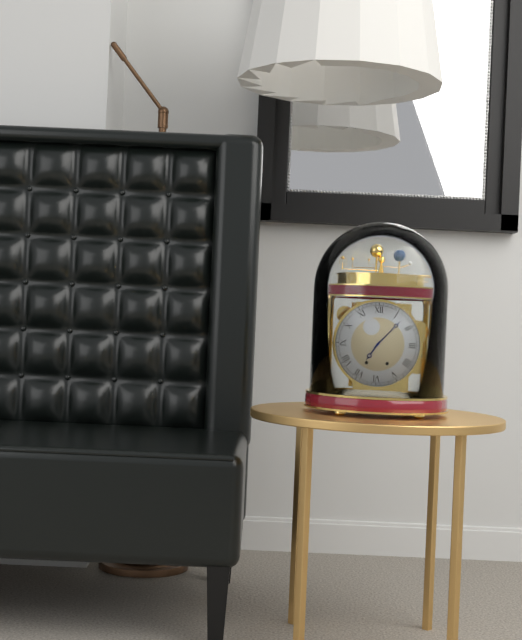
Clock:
h=7 m=7
